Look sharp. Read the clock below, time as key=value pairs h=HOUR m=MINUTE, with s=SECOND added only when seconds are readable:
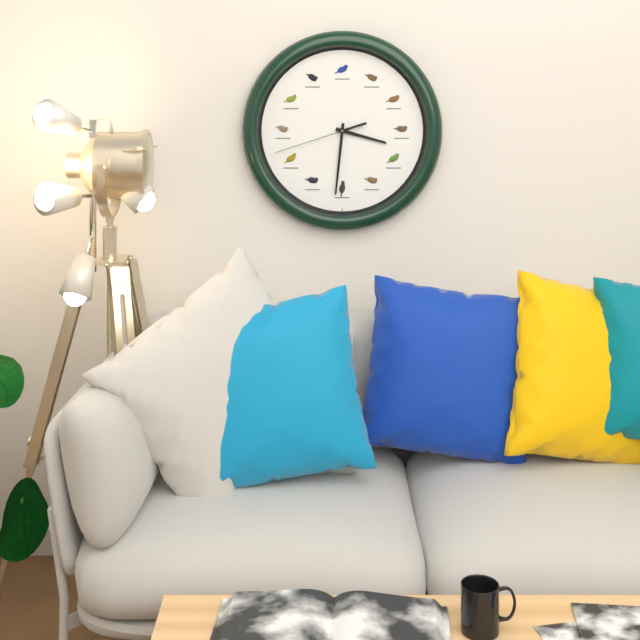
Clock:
h=3 m=31 s=42
